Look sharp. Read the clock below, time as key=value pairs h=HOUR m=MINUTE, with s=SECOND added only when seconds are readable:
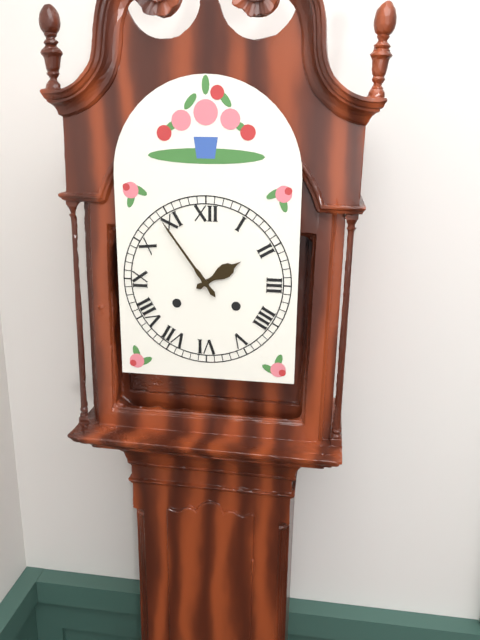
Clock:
h=1 m=54
